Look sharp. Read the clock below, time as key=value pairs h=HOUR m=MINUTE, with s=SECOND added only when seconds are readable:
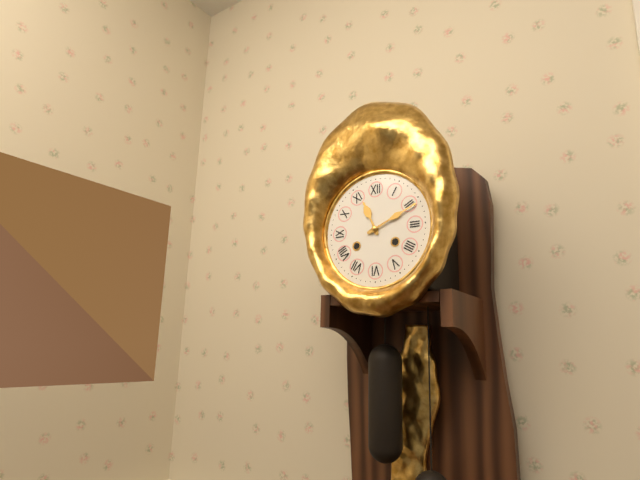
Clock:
h=11 m=11
